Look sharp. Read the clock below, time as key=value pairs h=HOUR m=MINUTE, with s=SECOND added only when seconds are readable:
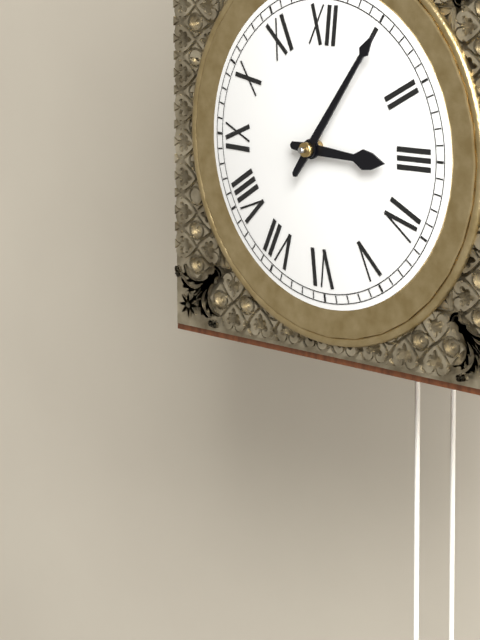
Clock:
h=3 m=6
